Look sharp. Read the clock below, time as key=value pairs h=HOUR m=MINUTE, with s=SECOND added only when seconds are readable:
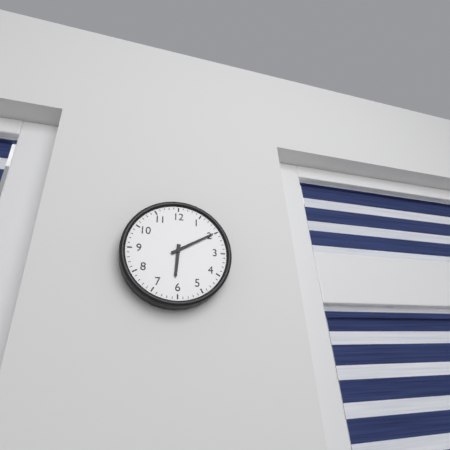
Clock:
h=6 m=10
